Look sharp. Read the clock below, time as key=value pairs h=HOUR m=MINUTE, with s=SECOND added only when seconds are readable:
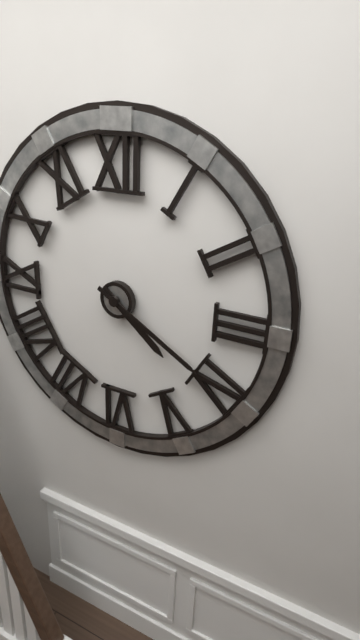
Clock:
h=4 m=20
